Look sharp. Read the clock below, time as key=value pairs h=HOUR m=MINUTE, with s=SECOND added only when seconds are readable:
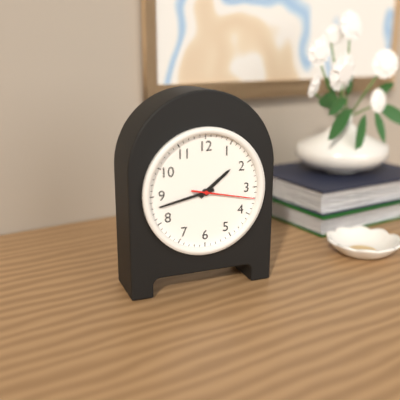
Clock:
h=1 m=43 s=17
